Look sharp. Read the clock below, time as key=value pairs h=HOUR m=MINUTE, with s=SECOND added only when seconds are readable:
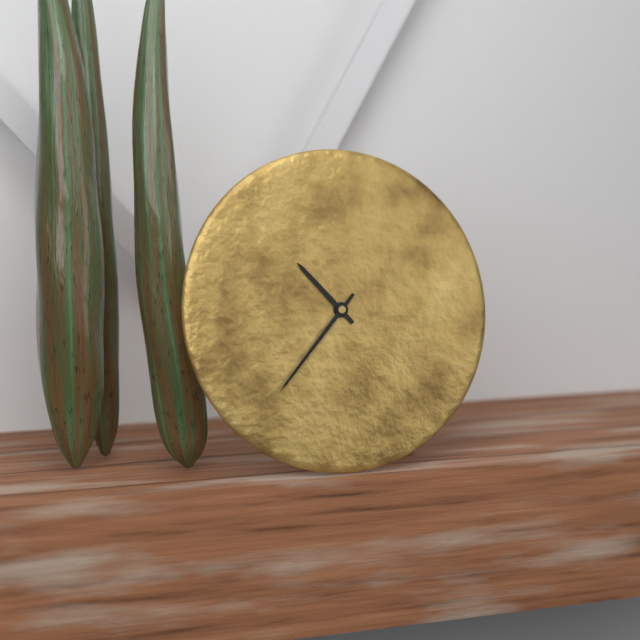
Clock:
h=10 m=37
